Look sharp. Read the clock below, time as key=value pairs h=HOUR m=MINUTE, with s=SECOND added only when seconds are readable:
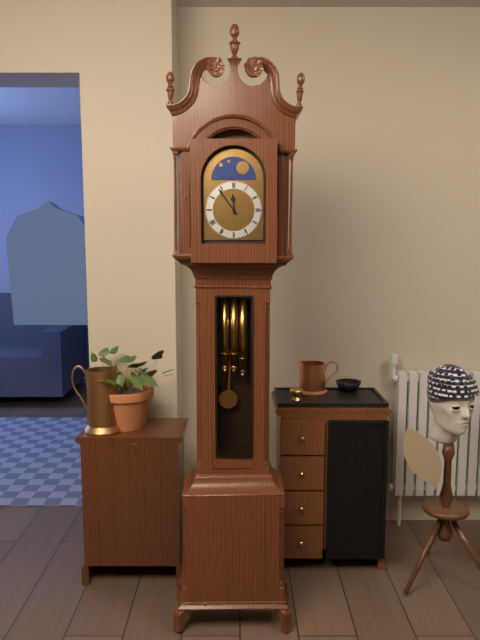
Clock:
h=11 m=54
